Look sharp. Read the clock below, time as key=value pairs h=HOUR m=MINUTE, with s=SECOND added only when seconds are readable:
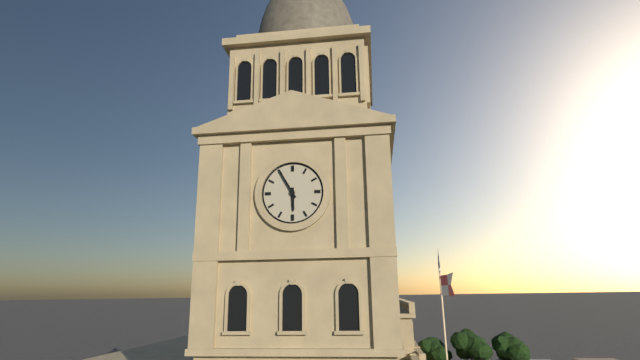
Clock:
h=5 m=55
